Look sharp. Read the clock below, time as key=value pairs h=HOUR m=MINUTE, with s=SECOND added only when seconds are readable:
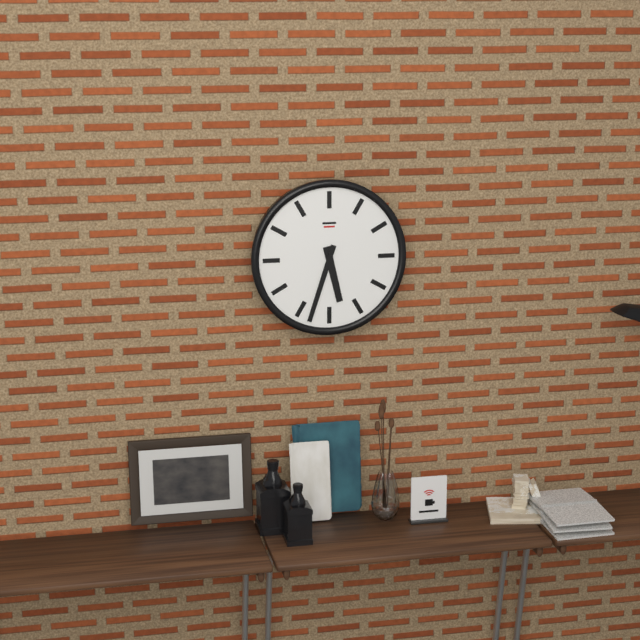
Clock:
h=5 m=33
